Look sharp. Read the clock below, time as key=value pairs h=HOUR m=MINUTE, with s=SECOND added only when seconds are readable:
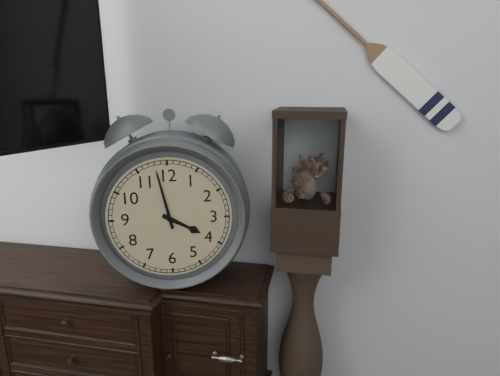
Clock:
h=3 m=58
